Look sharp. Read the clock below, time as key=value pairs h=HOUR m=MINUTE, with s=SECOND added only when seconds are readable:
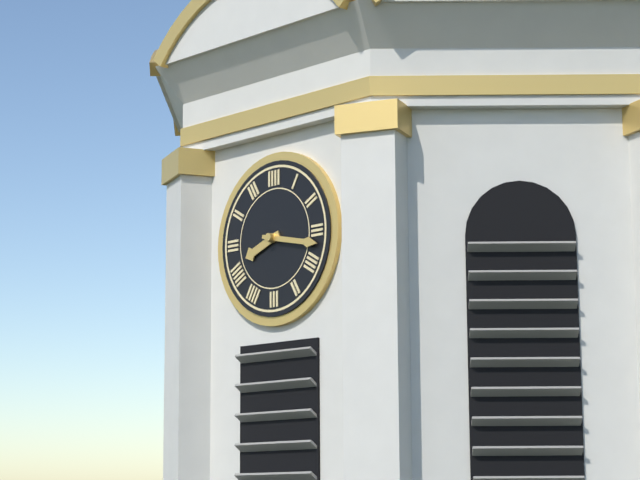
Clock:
h=8 m=17
